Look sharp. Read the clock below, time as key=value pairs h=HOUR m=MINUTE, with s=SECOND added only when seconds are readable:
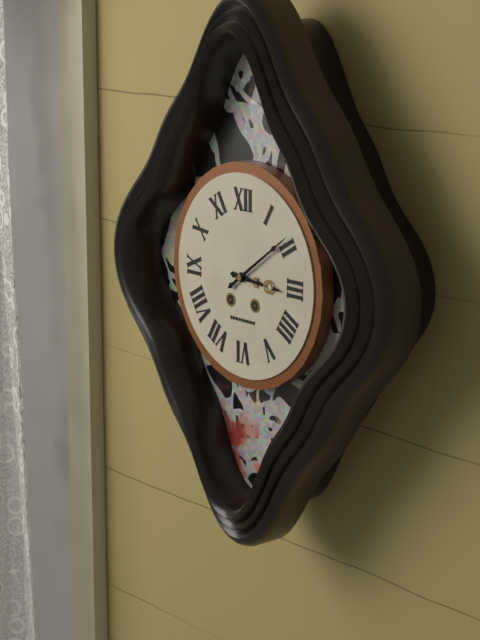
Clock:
h=3 m=9
